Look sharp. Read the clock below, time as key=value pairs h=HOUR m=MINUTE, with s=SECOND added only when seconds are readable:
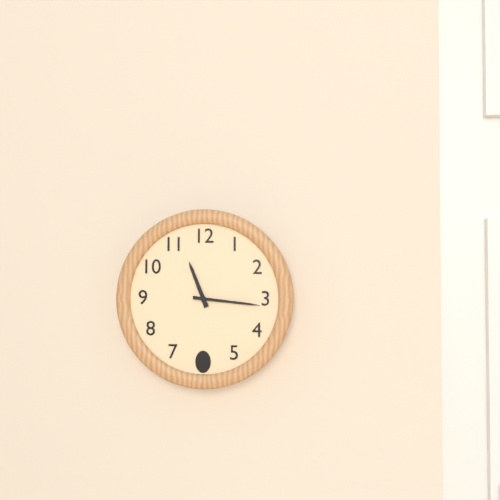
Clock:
h=11 m=16
